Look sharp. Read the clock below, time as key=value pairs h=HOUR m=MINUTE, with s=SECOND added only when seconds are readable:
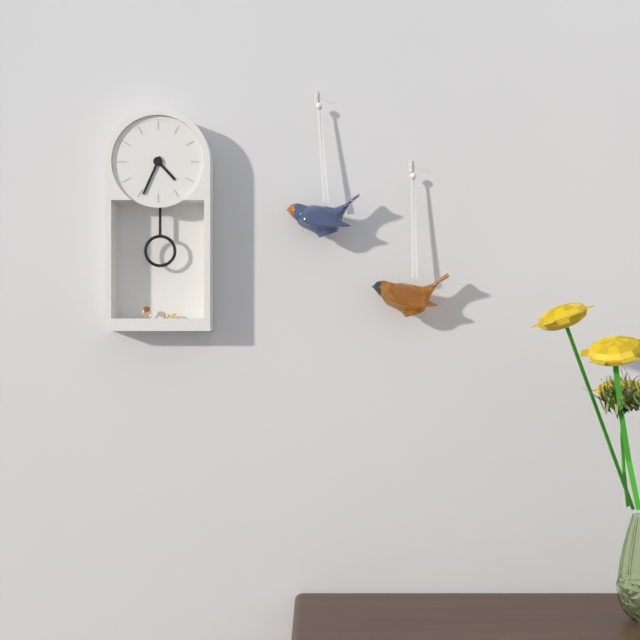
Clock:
h=4 m=34
